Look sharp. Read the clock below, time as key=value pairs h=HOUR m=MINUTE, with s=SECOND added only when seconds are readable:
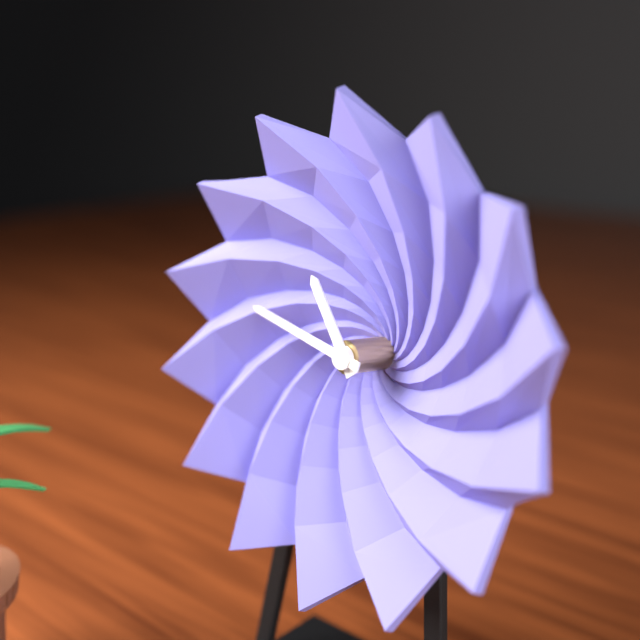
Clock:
h=10 m=47
